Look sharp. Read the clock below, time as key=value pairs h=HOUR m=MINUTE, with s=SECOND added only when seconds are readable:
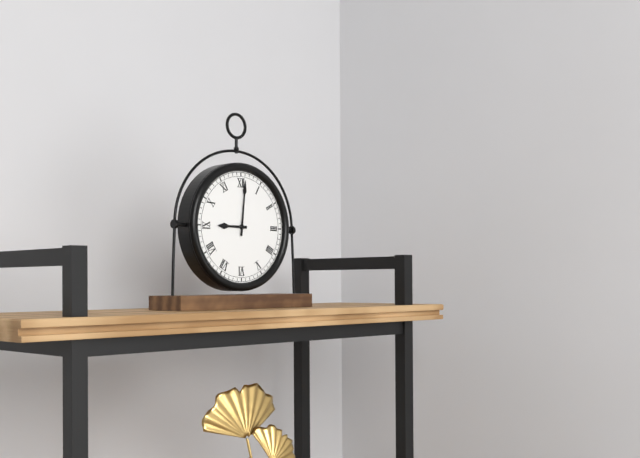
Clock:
h=9 m=1
